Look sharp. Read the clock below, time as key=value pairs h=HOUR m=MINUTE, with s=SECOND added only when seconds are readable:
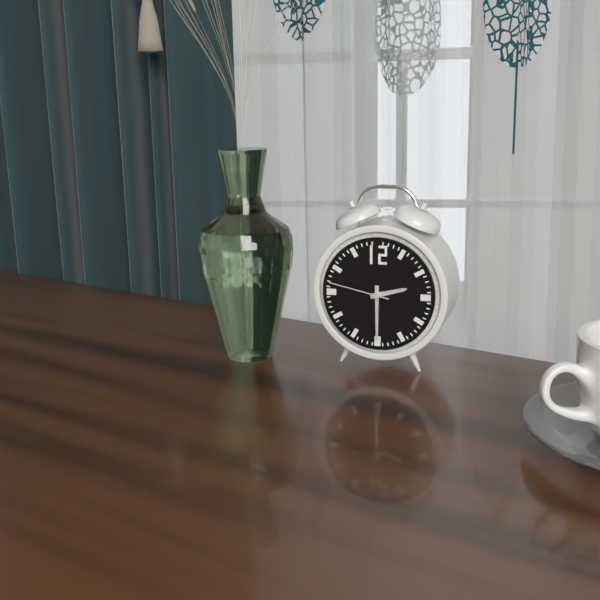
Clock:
h=2 m=30 s=47
